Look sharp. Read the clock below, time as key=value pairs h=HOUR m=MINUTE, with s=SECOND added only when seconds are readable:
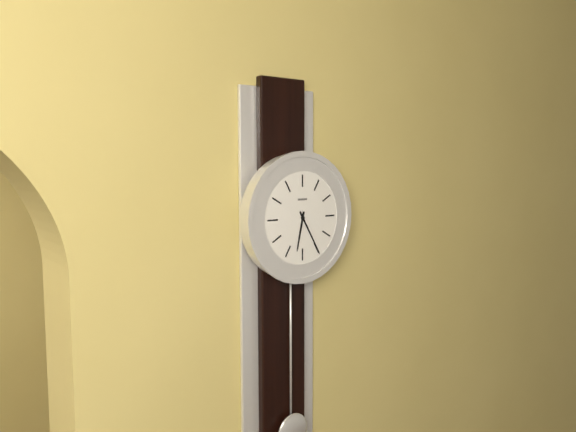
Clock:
h=6 m=25
